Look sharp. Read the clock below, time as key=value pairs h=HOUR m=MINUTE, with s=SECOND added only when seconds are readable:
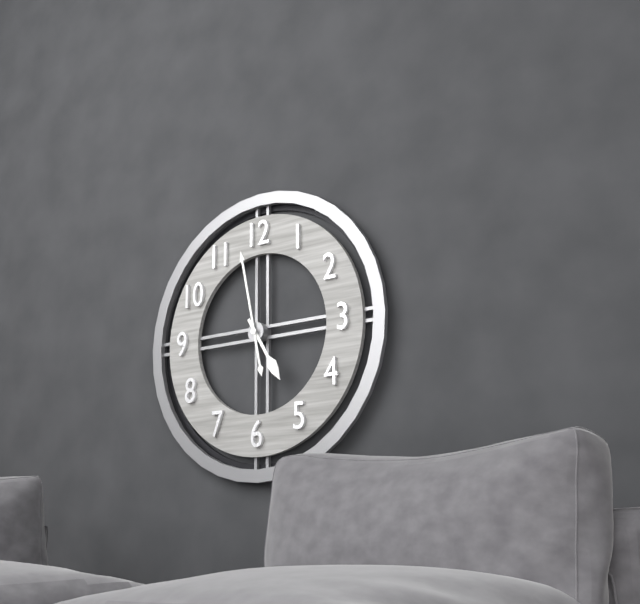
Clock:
h=4 m=58
